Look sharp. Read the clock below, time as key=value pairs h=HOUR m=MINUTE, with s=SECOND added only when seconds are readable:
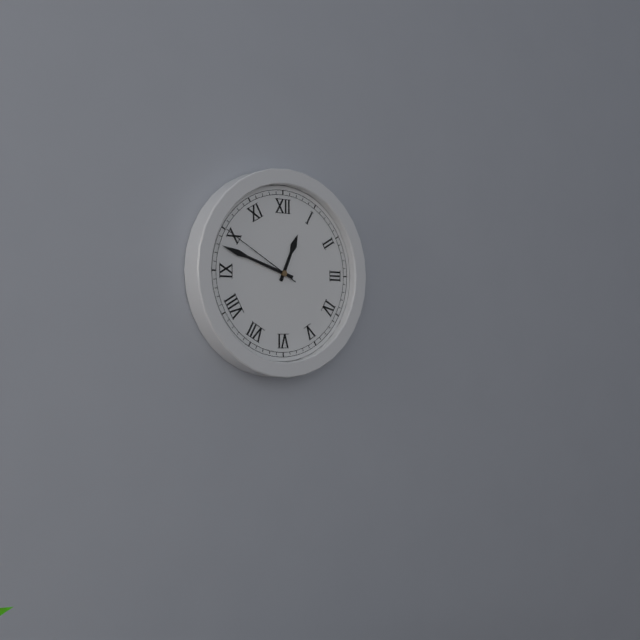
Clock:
h=12 m=48 s=50
